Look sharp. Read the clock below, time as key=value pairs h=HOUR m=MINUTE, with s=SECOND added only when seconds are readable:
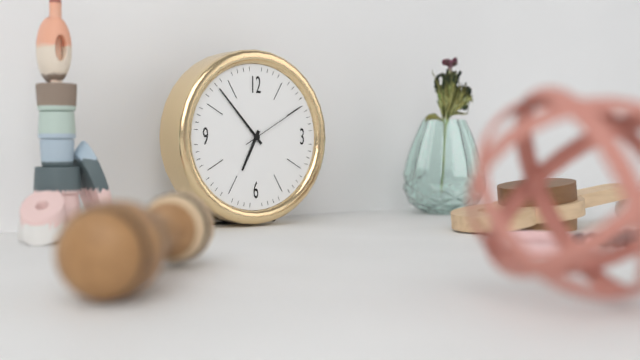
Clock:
h=6 m=53 s=10
